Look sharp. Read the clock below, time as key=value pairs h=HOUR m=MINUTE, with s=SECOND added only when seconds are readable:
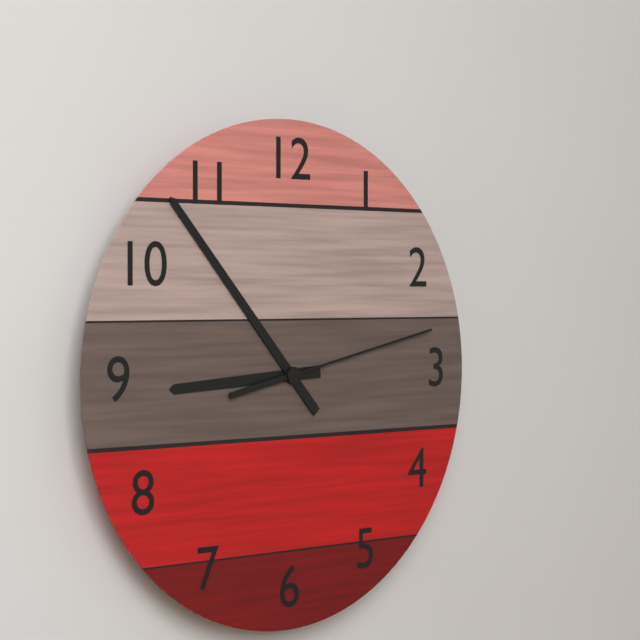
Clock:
h=8 m=53 s=13
